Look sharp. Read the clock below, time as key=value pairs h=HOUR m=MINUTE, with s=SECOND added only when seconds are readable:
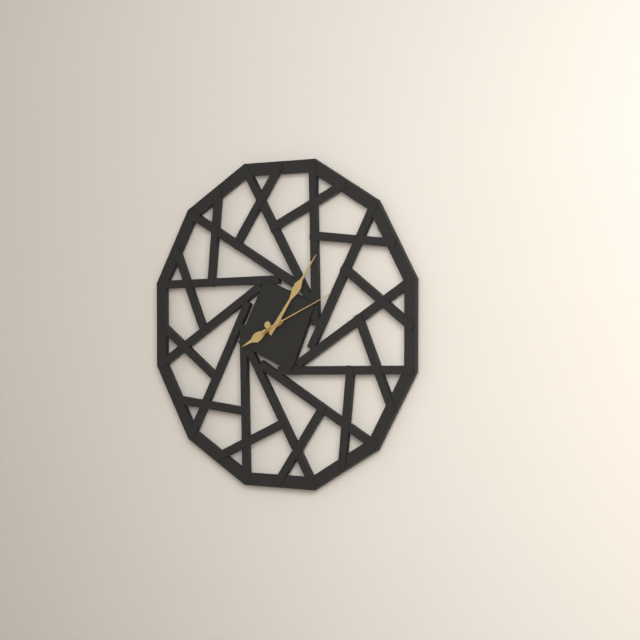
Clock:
h=8 m=6 s=11
